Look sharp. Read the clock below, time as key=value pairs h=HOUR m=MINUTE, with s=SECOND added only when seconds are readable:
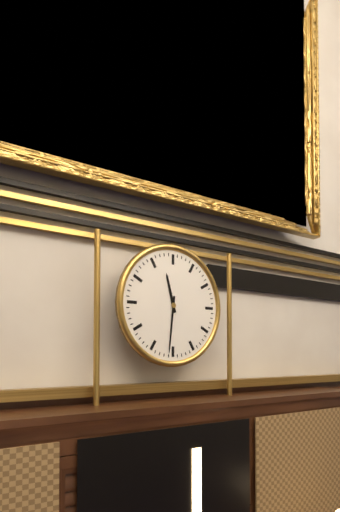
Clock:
h=11 m=31
